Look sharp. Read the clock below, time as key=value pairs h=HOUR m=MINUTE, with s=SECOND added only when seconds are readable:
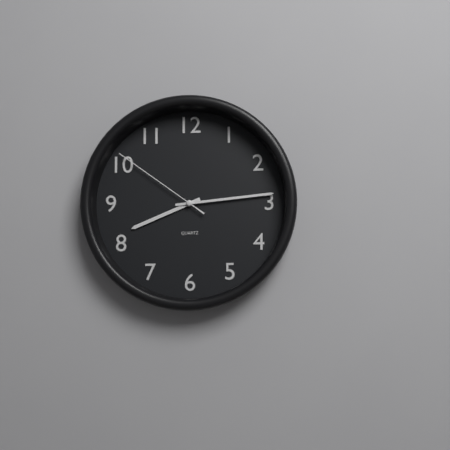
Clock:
h=8 m=14 s=51
